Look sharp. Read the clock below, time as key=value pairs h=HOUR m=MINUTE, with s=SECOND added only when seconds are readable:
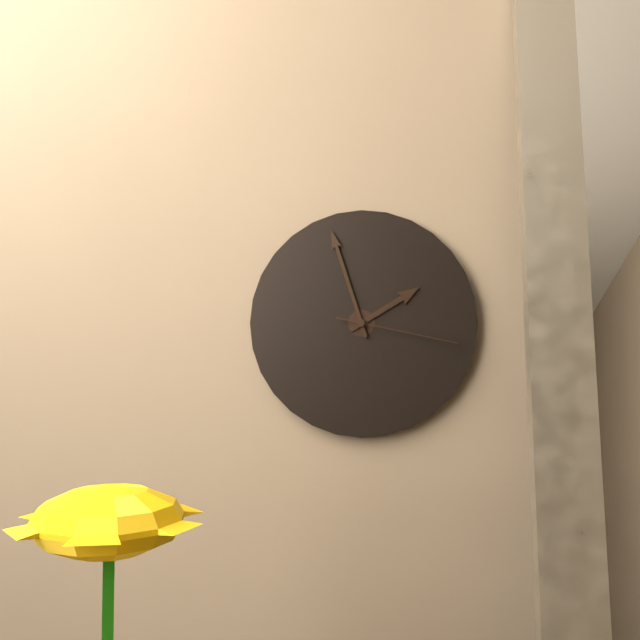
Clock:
h=1 m=57 s=17
